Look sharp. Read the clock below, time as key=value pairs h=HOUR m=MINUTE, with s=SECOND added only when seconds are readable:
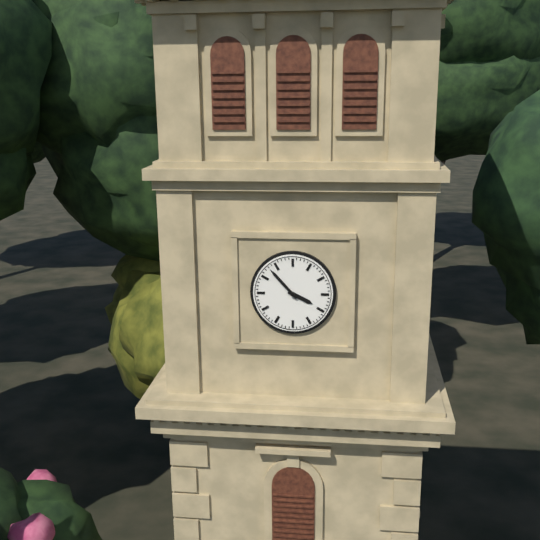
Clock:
h=3 m=53
